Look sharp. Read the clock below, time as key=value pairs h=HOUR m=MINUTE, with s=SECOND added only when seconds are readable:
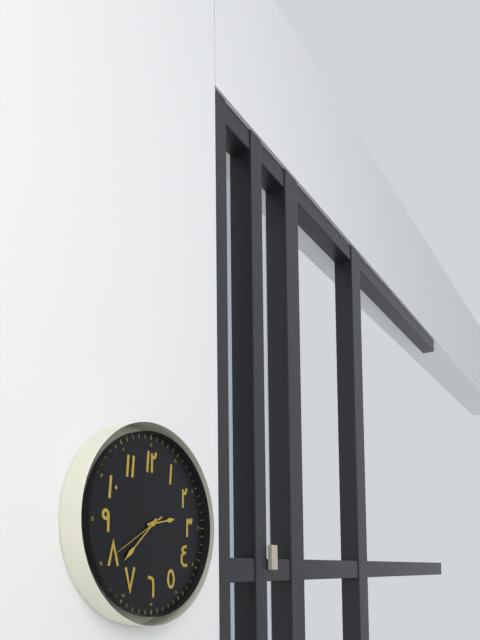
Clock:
h=2 m=38 s=40
